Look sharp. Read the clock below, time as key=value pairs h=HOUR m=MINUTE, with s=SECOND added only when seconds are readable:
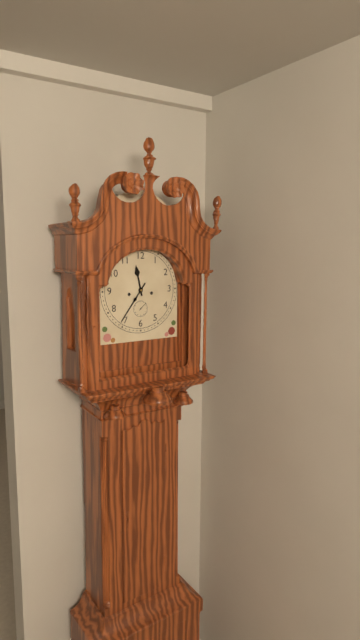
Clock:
h=11 m=36
